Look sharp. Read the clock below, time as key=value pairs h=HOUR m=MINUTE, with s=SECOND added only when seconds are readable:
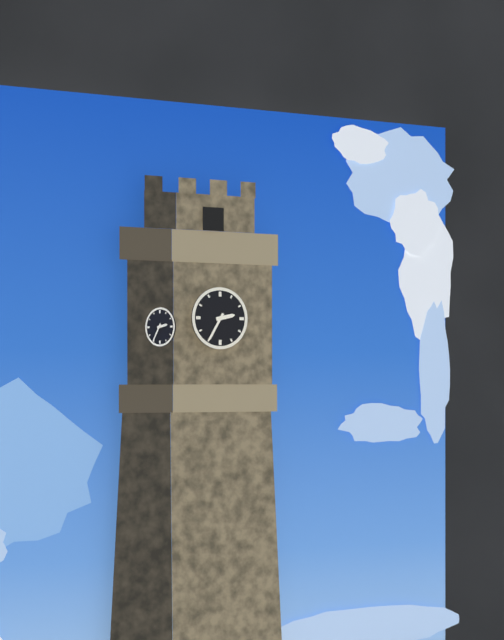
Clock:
h=2 m=35
